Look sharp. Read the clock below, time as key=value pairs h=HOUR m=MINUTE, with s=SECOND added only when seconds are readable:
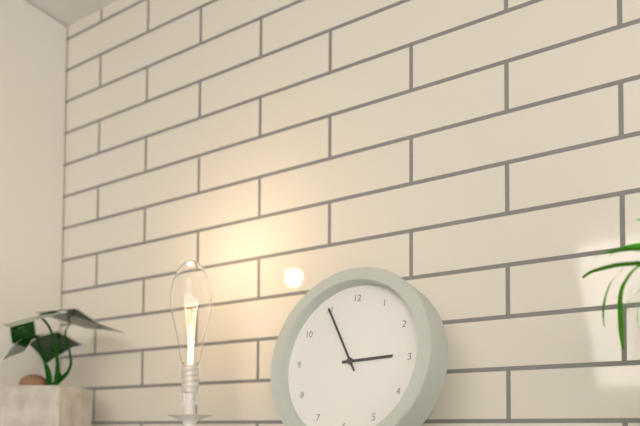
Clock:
h=2 m=55
